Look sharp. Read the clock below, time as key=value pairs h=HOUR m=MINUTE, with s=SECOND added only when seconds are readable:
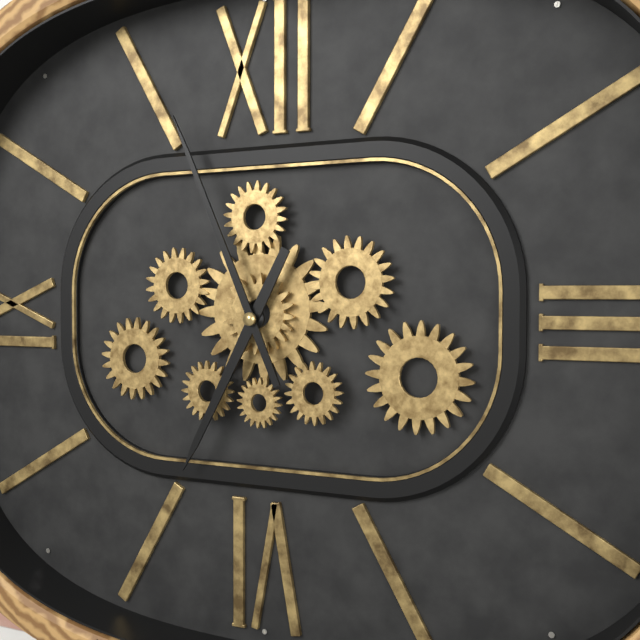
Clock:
h=6 m=56
